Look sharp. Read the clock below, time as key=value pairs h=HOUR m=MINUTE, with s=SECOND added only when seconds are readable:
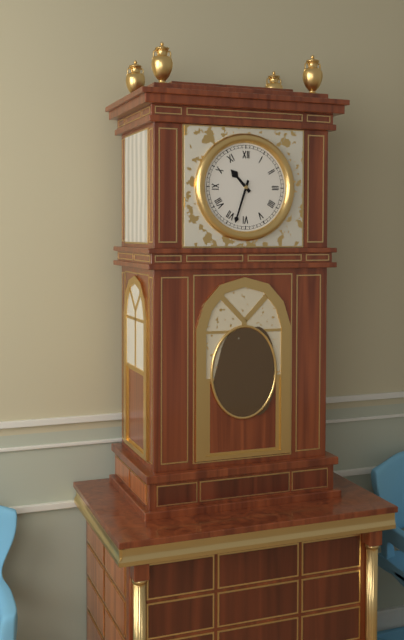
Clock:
h=10 m=33
